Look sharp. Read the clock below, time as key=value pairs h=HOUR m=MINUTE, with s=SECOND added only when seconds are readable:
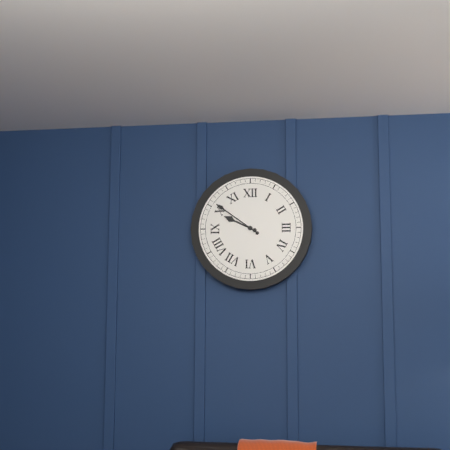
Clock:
h=9 m=51
